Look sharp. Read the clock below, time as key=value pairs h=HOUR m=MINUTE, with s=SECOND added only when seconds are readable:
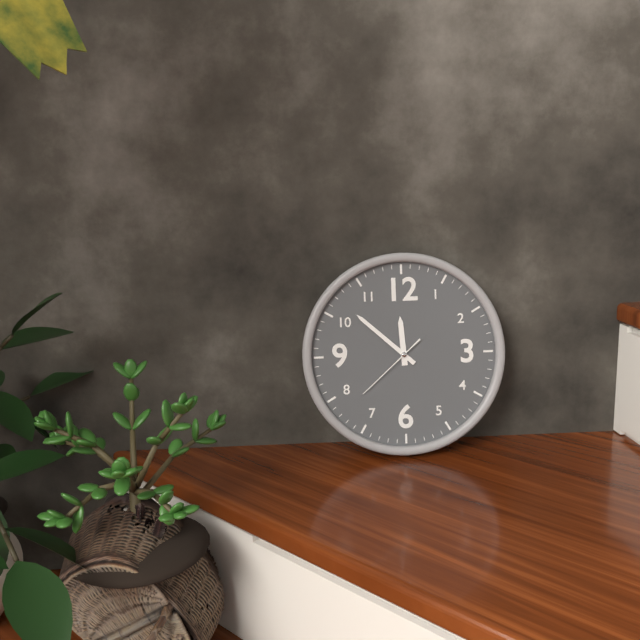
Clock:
h=11 m=52 s=38
